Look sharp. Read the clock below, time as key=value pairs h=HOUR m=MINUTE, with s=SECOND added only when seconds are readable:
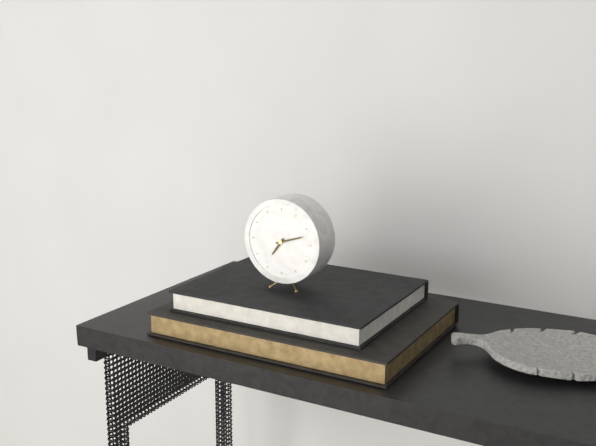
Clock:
h=7 m=12
